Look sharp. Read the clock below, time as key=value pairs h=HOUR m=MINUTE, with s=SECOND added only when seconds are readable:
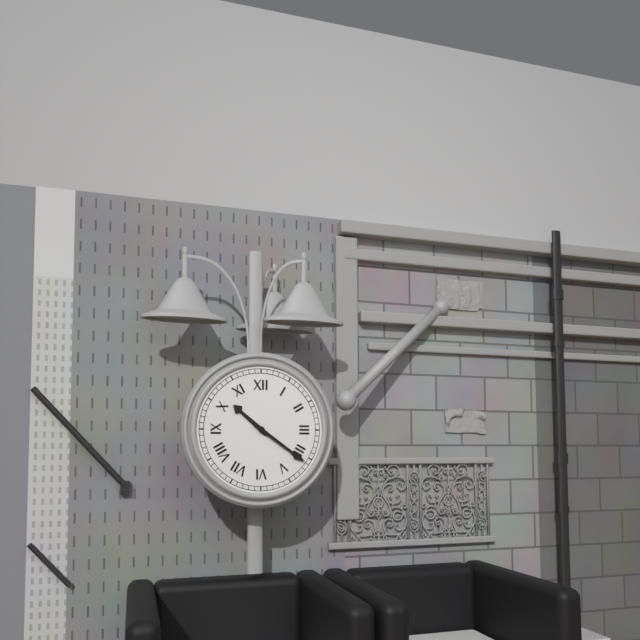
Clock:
h=10 m=21
